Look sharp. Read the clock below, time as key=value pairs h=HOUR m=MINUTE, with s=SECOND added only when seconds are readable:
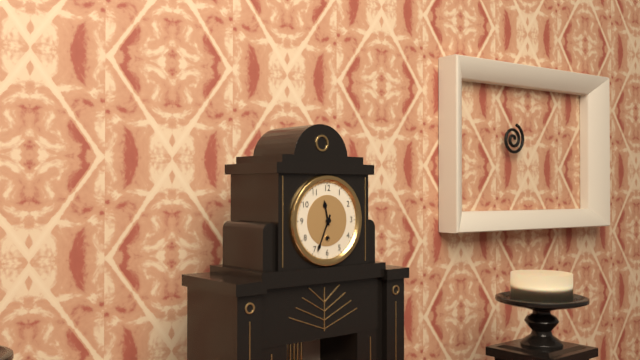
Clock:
h=11 m=34
